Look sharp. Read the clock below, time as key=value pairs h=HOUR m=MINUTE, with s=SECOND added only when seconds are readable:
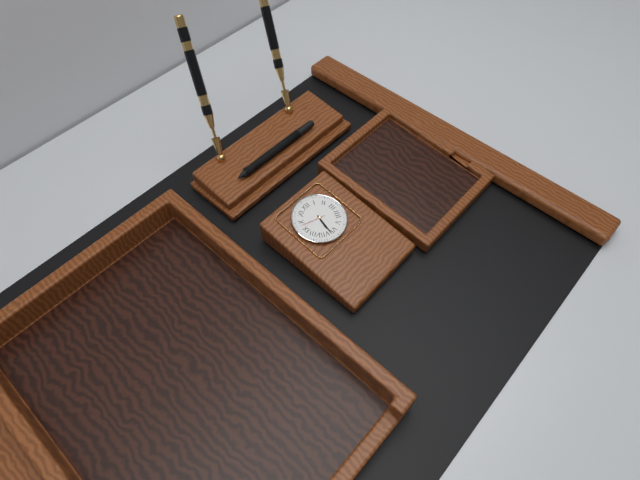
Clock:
h=6 m=32
